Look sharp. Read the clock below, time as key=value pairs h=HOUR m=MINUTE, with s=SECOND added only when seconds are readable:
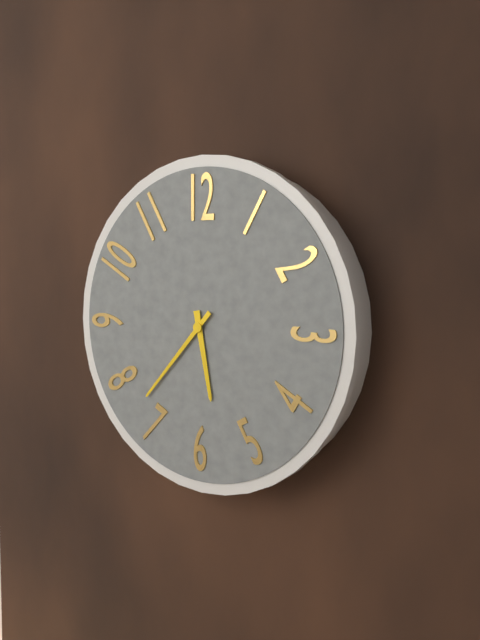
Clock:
h=5 m=37
